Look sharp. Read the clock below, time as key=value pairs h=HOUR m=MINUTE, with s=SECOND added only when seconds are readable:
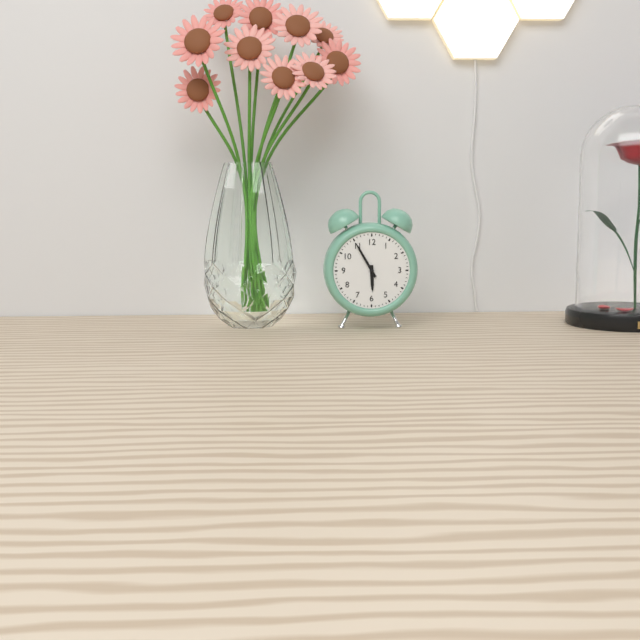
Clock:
h=5 m=55
